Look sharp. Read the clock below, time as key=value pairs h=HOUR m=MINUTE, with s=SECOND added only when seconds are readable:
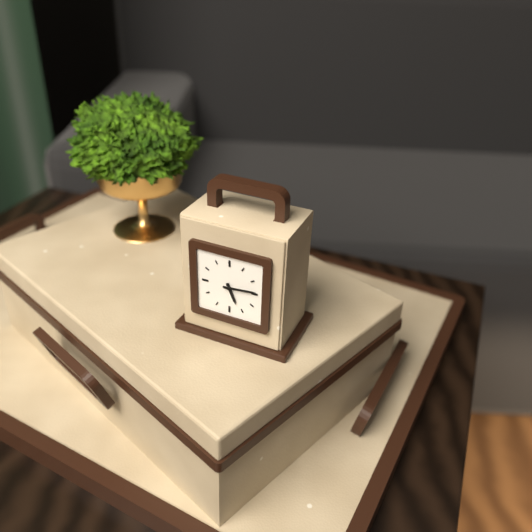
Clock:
h=5 m=14
